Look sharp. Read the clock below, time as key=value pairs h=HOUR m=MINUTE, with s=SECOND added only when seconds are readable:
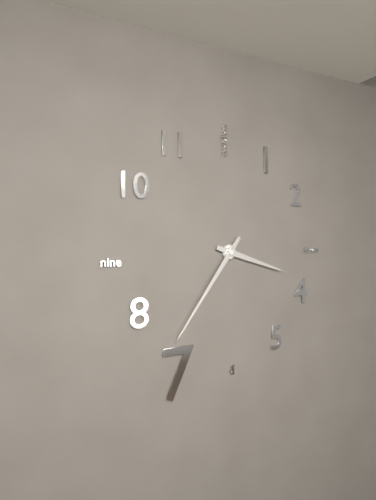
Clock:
h=3 m=36
